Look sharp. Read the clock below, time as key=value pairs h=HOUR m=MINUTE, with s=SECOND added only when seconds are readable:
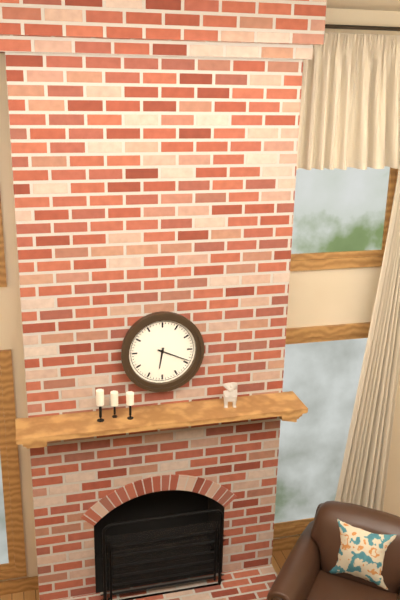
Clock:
h=6 m=19
